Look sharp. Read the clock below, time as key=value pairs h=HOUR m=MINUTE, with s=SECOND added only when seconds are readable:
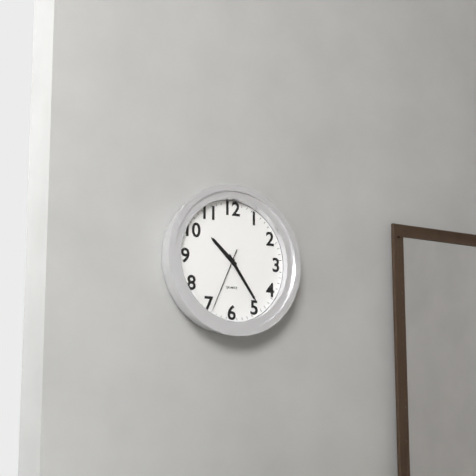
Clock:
h=10 m=24 s=34
